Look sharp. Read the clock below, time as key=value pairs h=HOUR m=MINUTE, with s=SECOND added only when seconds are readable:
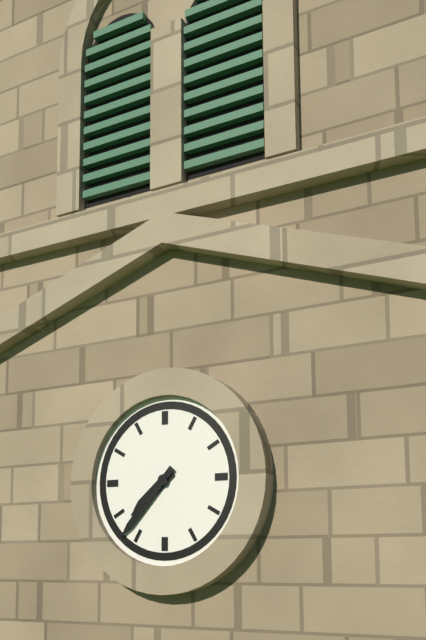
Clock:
h=7 m=37
